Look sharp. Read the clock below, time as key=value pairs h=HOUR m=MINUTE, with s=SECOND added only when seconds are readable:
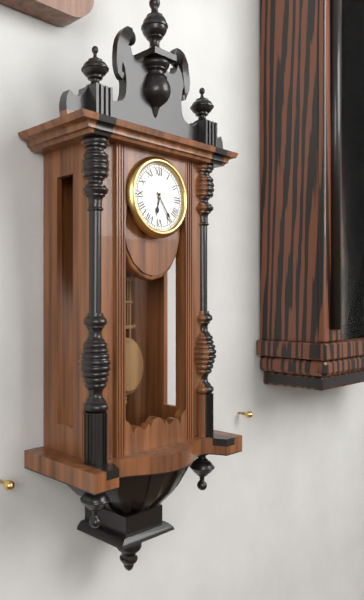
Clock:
h=6 m=24
